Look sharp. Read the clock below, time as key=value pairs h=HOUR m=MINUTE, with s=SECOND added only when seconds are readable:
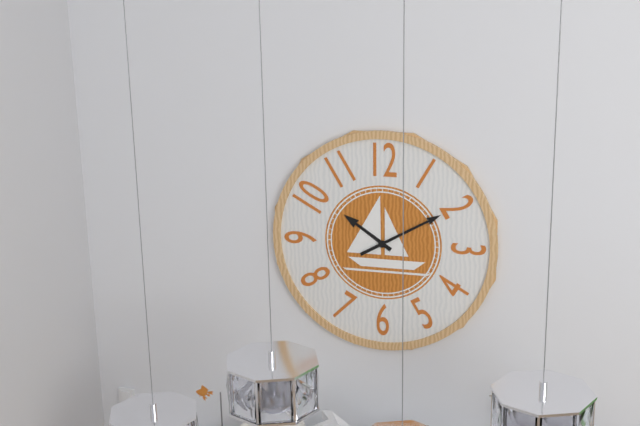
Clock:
h=10 m=10
